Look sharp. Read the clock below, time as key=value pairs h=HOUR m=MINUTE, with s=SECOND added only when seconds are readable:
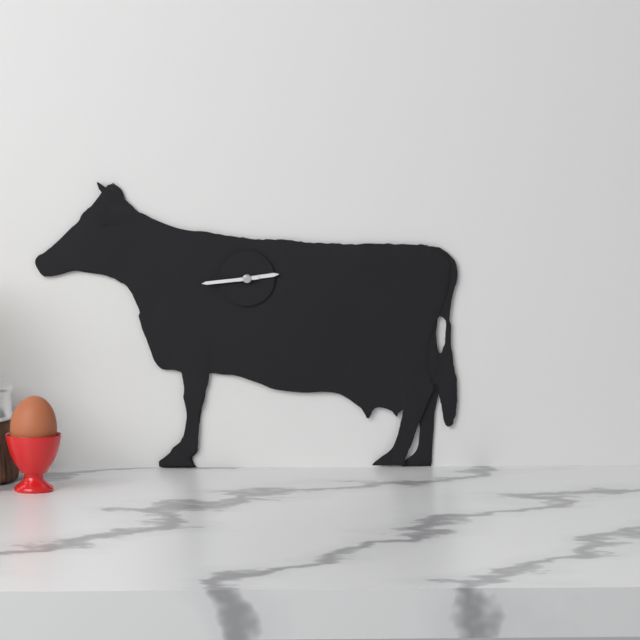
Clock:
h=2 m=44
